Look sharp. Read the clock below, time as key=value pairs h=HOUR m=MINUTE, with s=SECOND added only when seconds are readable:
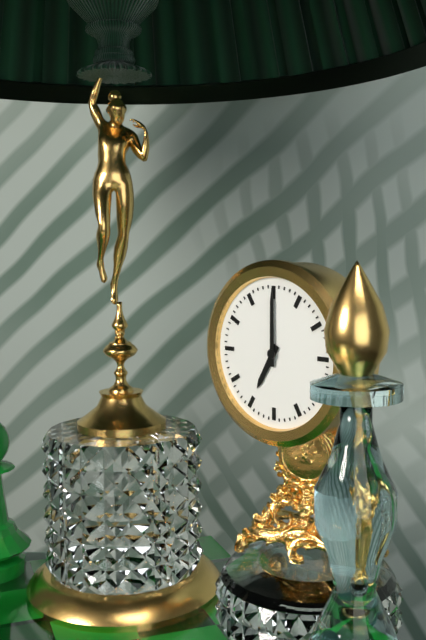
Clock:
h=7 m=0
